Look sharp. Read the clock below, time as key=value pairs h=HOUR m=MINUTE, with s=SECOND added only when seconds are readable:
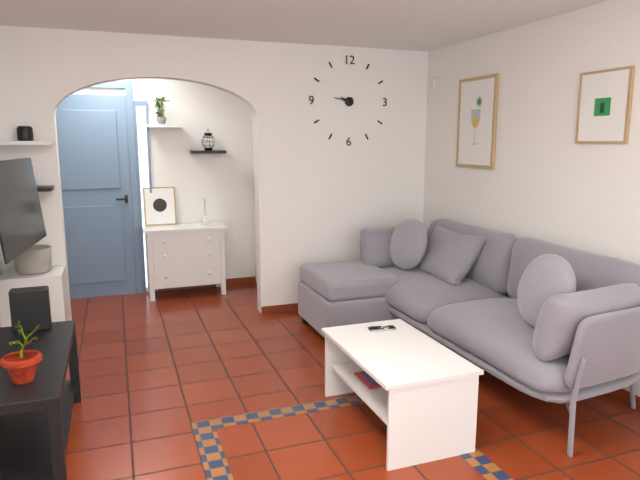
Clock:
h=9 m=47
